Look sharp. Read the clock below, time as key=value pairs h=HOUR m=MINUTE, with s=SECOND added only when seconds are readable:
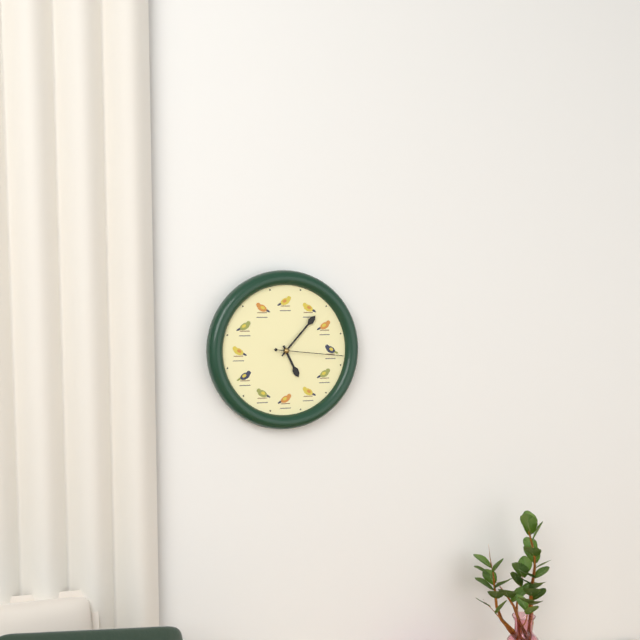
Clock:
h=5 m=7 s=16
